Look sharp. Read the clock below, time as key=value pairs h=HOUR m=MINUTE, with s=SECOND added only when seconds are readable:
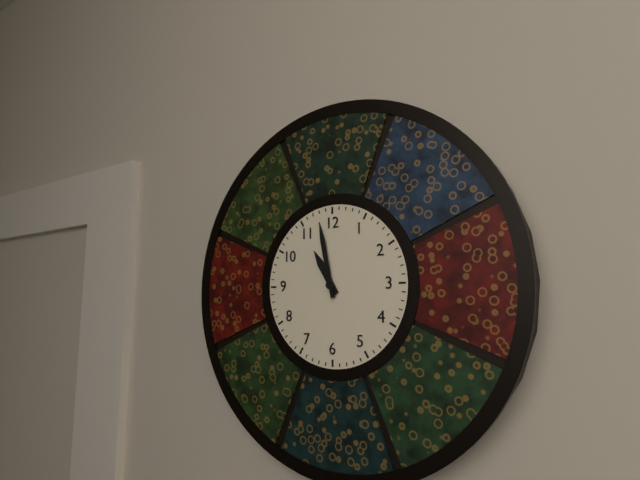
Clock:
h=10 m=58
